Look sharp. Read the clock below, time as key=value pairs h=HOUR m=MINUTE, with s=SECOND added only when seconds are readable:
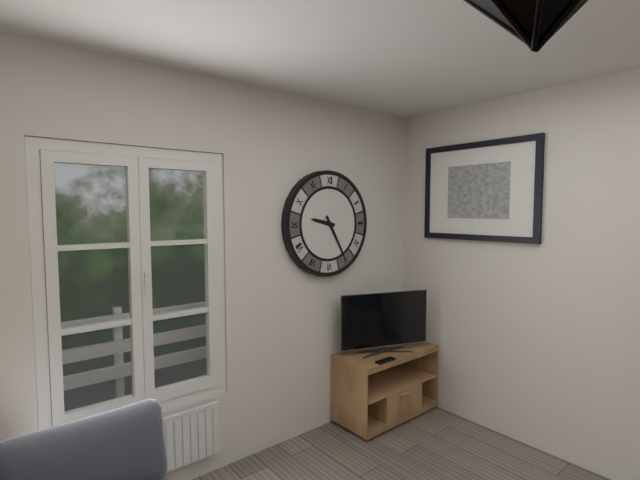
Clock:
h=9 m=25
